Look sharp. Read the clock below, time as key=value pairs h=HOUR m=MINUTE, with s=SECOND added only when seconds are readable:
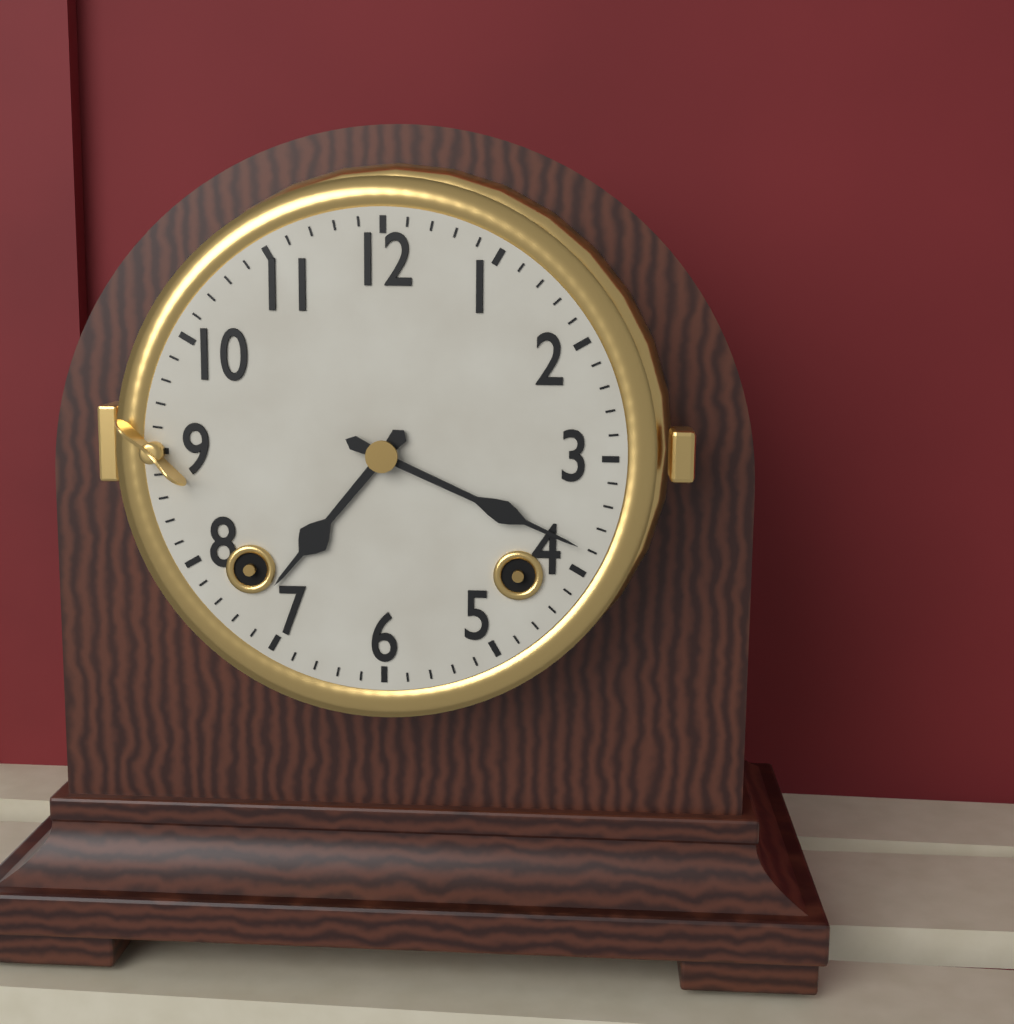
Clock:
h=7 m=19
